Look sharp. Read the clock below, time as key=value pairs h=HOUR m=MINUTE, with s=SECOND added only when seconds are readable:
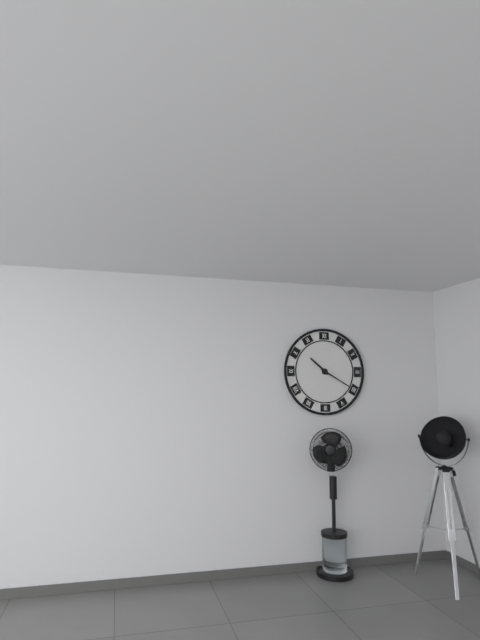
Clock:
h=10 m=20
